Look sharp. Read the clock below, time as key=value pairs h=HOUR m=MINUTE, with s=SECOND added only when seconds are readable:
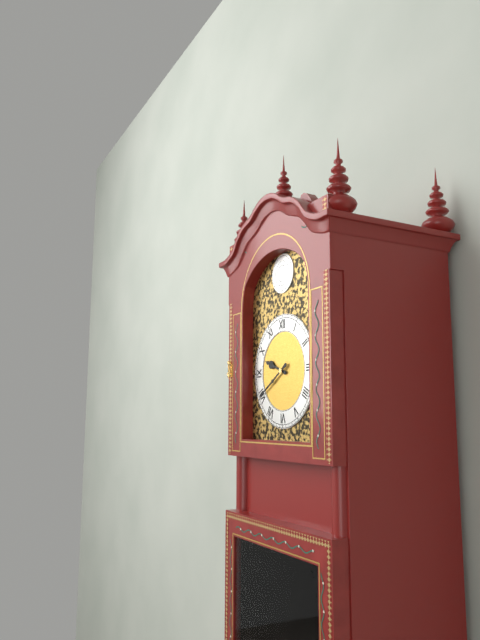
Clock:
h=9 m=40
